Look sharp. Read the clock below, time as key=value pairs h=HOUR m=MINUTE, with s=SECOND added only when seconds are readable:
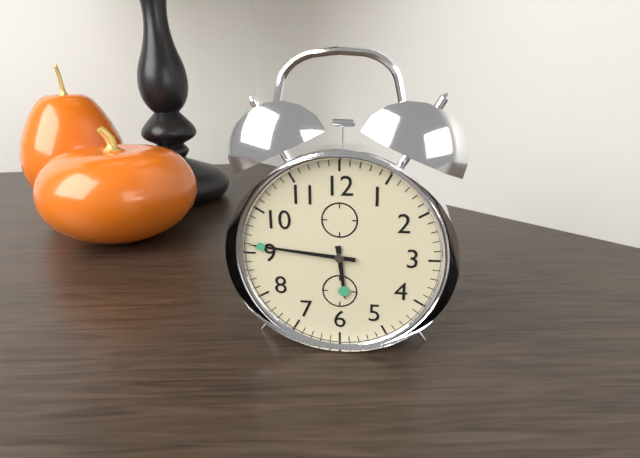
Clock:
h=5 m=46
